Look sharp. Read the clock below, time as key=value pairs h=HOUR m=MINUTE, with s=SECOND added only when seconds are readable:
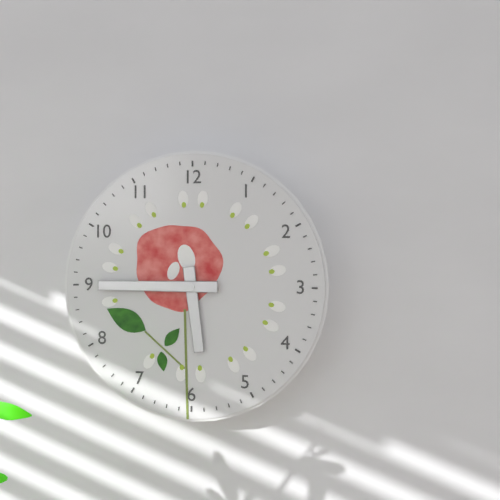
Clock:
h=5 m=45
